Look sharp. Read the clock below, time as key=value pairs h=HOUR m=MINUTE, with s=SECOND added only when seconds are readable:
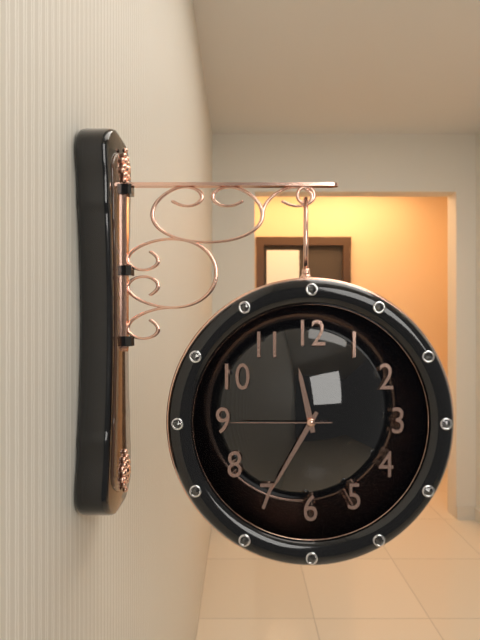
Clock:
h=11 m=35 s=45
